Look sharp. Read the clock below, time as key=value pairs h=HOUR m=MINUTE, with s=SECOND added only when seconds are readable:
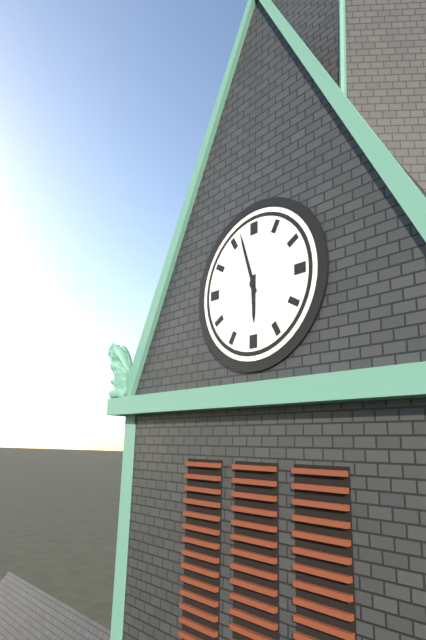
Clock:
h=5 m=57
